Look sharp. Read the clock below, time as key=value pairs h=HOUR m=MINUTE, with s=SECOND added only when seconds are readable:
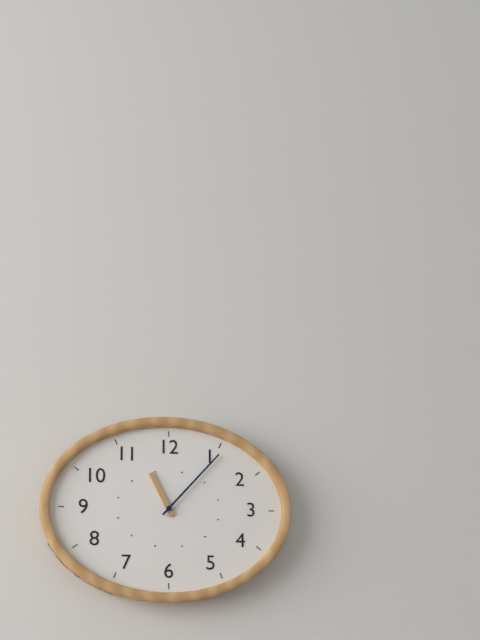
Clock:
h=11 m=7
